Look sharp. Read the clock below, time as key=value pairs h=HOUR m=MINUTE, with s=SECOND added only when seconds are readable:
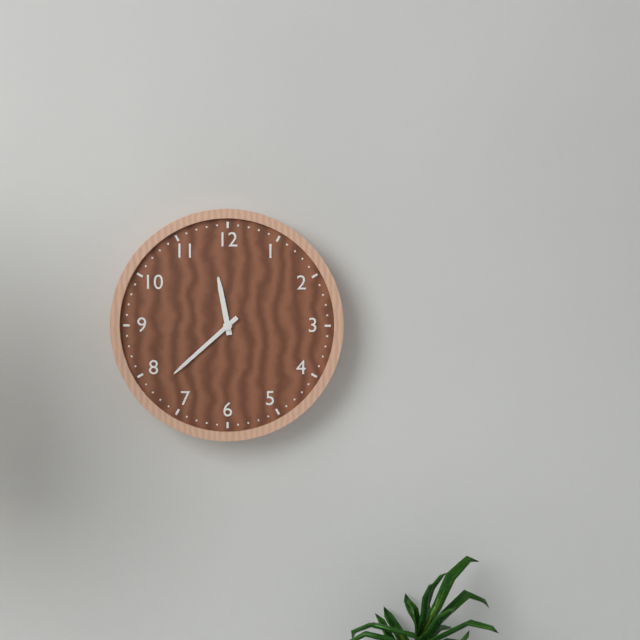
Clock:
h=11 m=38
